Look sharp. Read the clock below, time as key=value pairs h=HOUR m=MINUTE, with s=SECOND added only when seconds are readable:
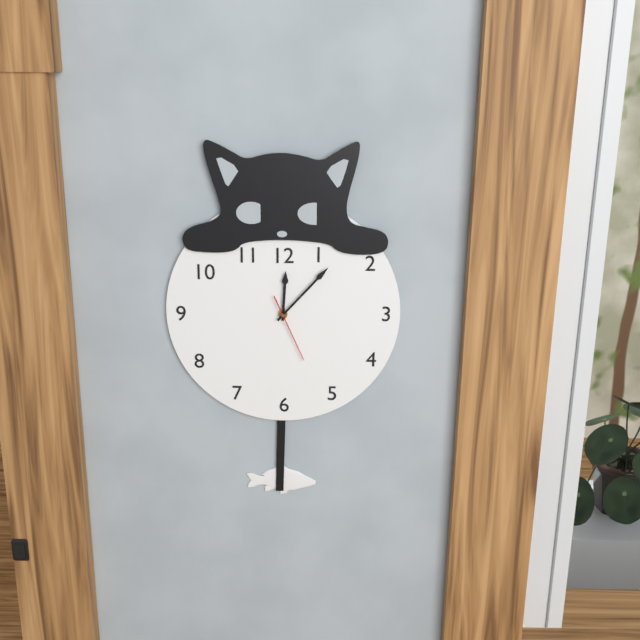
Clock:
h=12 m=7 s=26
